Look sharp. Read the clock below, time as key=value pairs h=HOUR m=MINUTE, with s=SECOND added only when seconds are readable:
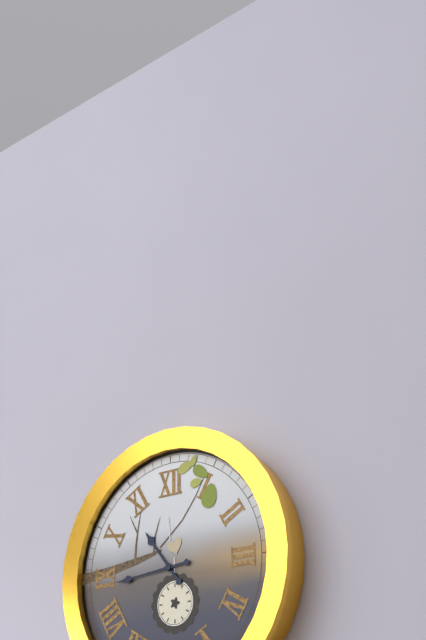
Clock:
h=10 m=44
